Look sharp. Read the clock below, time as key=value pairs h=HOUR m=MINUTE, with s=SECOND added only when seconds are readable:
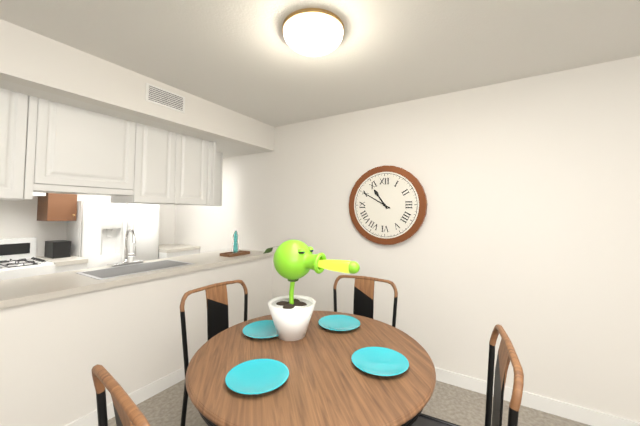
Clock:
h=10 m=50
